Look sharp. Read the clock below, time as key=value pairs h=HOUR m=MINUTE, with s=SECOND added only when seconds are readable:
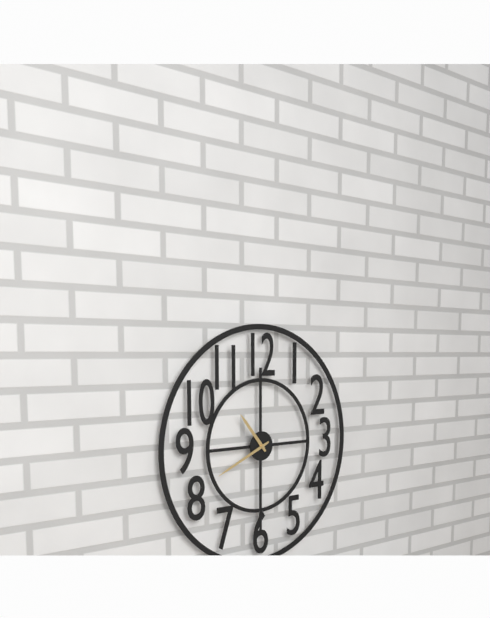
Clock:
h=10 m=41
